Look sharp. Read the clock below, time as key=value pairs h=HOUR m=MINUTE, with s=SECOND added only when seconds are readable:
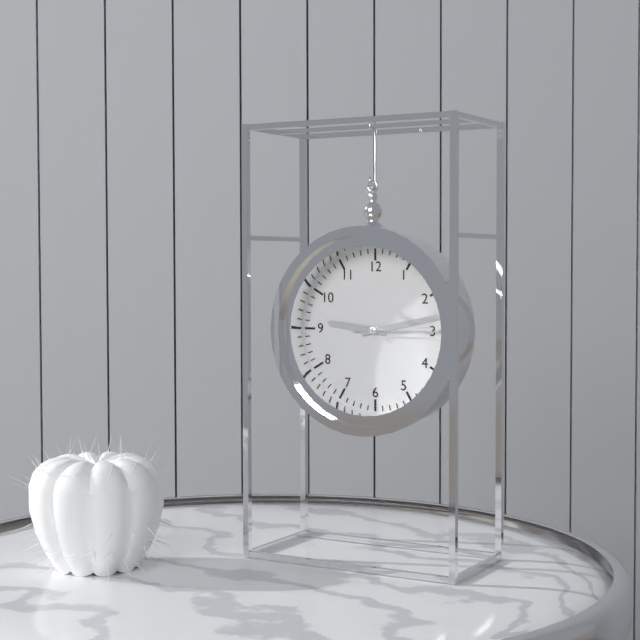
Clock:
h=9 m=13 s=15
